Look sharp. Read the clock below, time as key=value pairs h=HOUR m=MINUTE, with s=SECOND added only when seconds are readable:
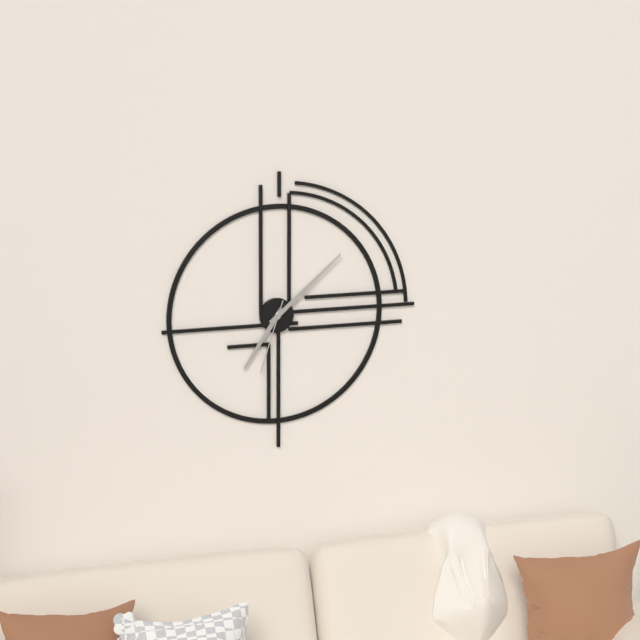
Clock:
h=7 m=8 s=33
